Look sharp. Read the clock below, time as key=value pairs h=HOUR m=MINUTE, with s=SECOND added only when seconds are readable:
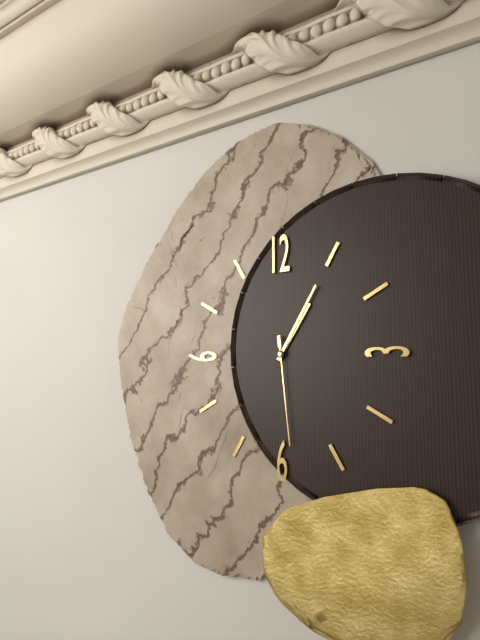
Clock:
h=1 m=5 s=29
